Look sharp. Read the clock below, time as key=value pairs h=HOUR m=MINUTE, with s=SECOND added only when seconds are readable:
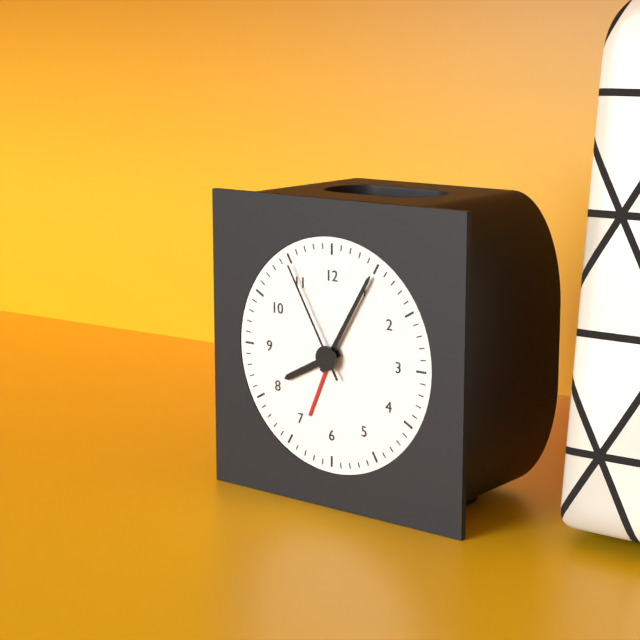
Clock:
h=8 m=5 s=55
